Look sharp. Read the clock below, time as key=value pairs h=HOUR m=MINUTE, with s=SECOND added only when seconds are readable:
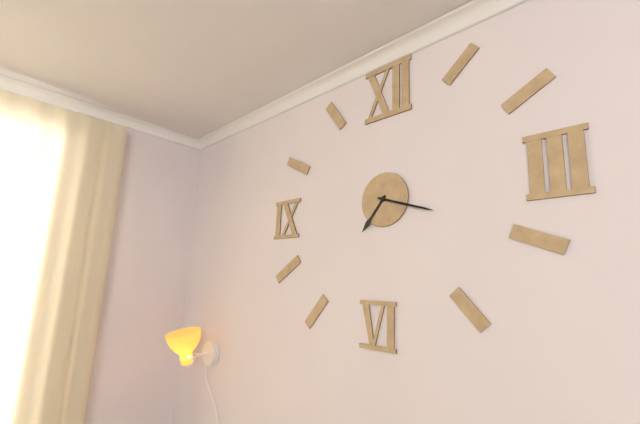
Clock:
h=7 m=18
